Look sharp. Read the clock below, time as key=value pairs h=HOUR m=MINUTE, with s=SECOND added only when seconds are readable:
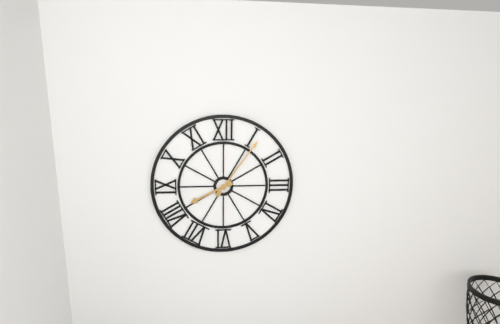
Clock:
h=8 m=6
